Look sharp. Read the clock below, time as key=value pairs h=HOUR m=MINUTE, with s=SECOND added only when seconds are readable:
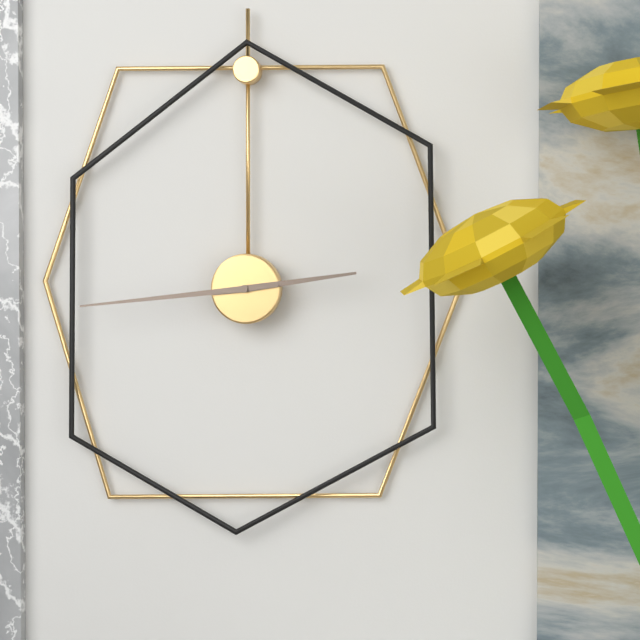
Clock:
h=2 m=44
